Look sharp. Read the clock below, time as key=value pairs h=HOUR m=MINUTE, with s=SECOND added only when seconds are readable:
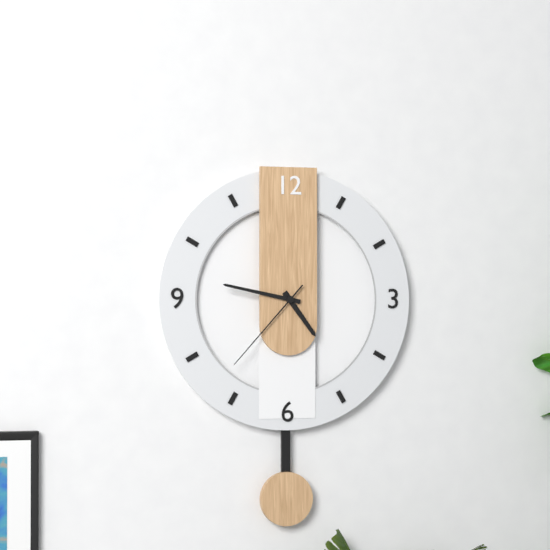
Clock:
h=4 m=47 s=37
